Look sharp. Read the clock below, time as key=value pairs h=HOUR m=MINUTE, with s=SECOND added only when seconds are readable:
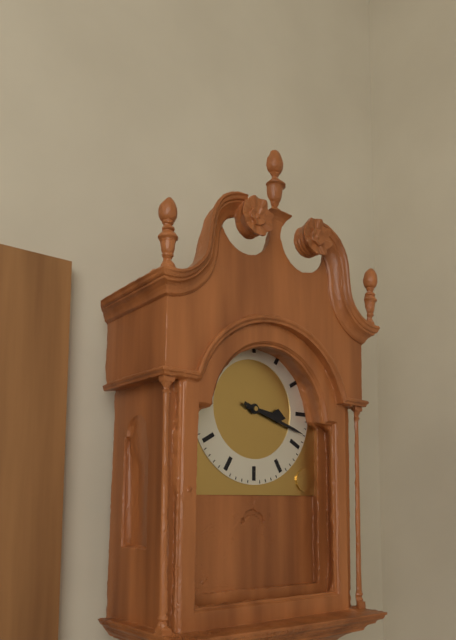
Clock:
h=3 m=18
